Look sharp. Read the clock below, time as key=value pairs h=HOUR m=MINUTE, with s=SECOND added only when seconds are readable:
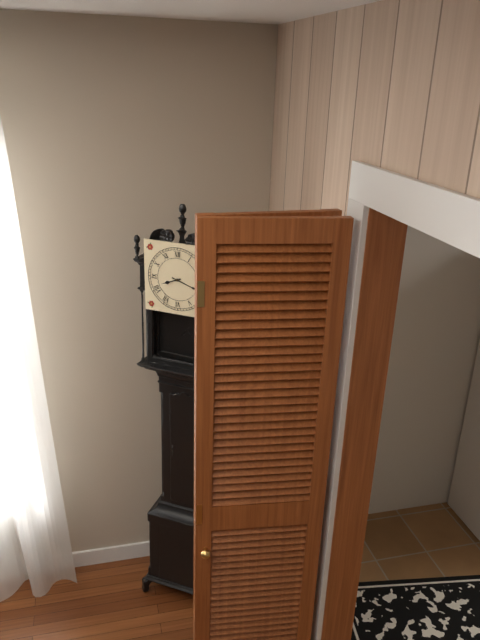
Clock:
h=8 m=18
